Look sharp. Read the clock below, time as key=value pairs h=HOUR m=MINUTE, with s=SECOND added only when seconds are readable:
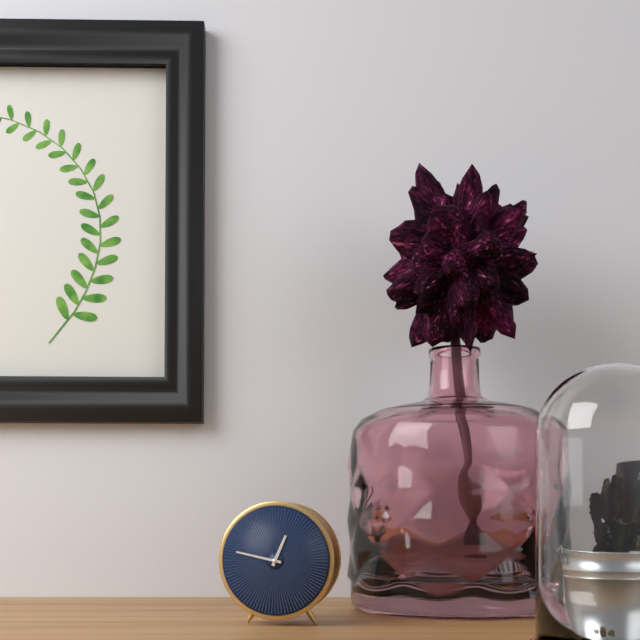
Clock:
h=12 m=47
